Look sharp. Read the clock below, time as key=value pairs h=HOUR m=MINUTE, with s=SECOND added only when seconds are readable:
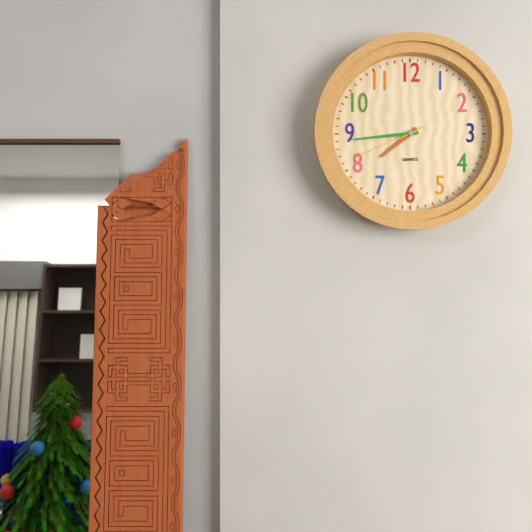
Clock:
h=7 m=44 s=41
